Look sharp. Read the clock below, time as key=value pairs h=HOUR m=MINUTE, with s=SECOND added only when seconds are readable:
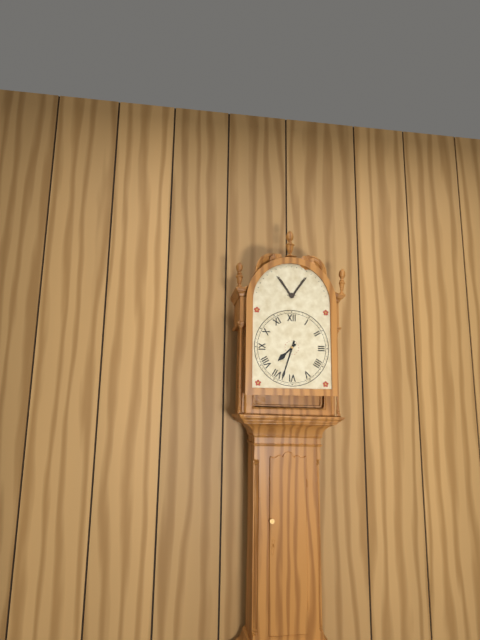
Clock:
h=7 m=33
